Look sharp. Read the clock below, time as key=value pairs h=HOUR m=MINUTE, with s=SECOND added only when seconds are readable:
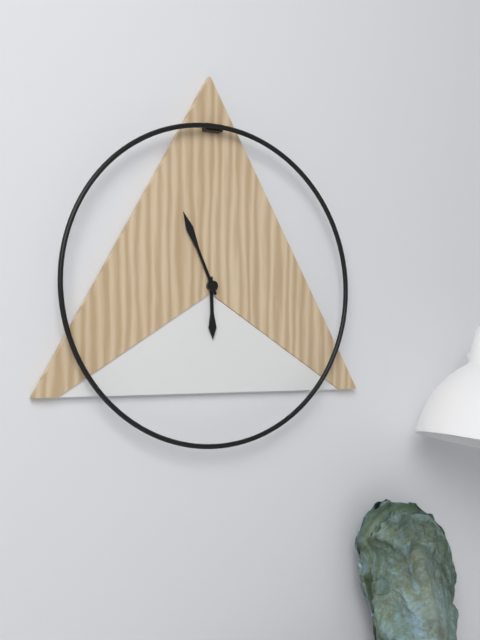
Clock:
h=5 m=56
